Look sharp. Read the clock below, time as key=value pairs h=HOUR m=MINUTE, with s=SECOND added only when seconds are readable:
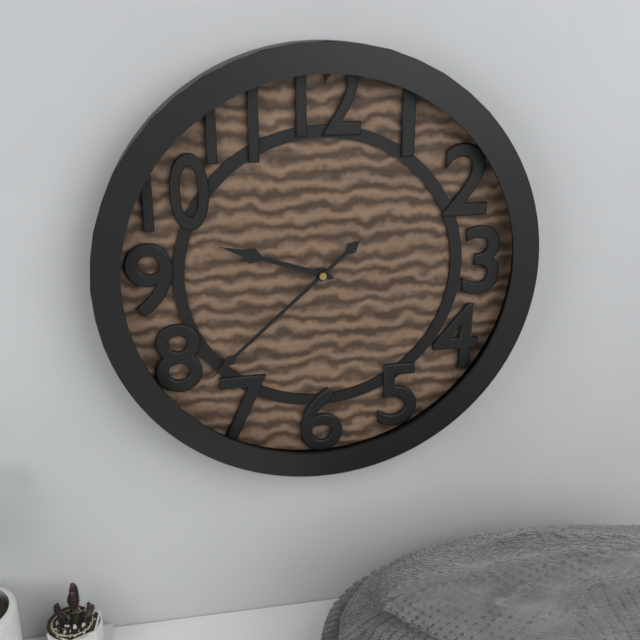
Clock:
h=9 m=38
